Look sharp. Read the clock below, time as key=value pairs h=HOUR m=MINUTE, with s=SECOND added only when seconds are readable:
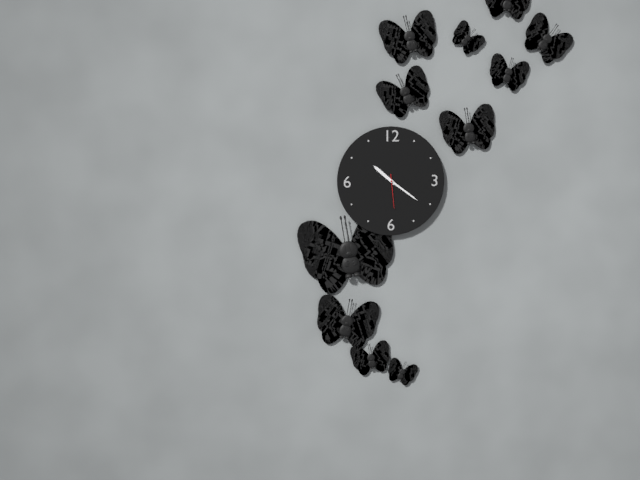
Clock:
h=10 m=21
